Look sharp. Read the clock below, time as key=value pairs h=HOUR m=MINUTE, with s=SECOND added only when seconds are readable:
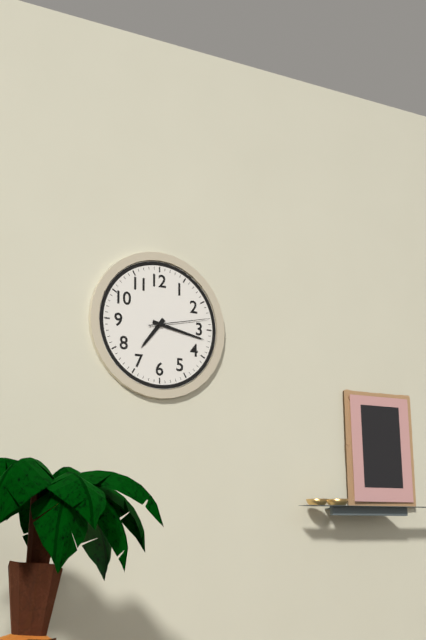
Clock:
h=7 m=17 s=13
